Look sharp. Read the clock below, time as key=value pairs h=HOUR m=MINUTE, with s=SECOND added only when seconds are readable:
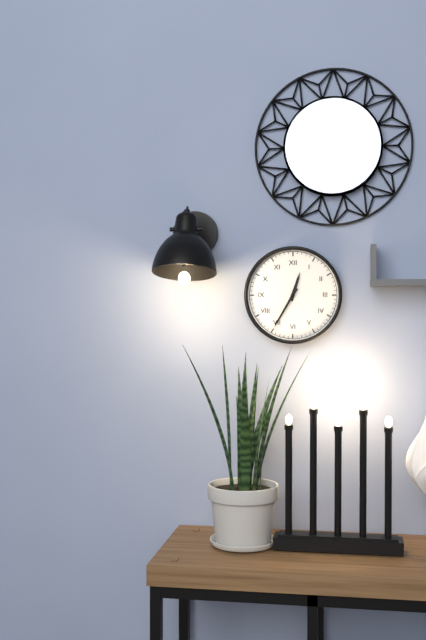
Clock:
h=12 m=35
